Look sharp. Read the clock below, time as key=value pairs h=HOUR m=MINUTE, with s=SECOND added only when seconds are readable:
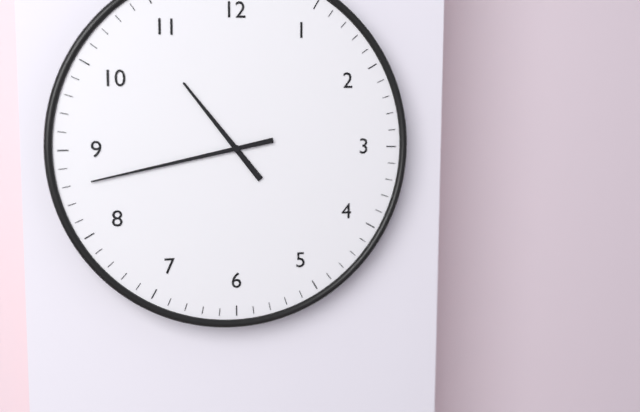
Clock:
h=10 m=43
